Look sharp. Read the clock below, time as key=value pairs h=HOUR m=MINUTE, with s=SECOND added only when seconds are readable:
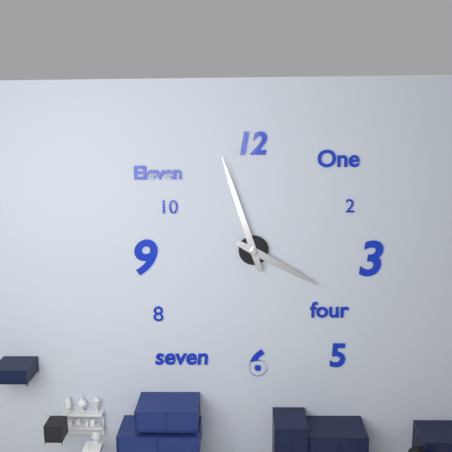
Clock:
h=3 m=57
